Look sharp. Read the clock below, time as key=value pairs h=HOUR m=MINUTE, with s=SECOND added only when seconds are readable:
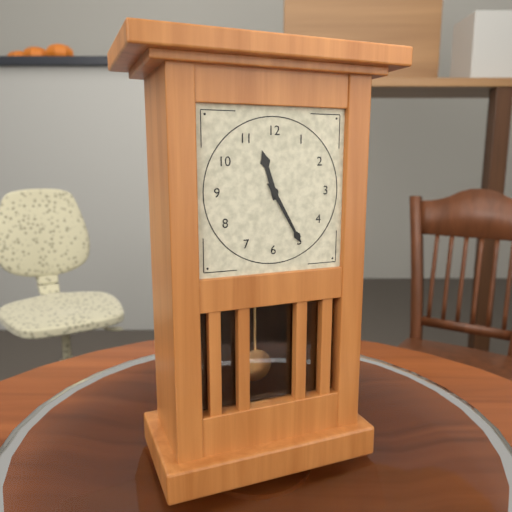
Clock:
h=11 m=25
